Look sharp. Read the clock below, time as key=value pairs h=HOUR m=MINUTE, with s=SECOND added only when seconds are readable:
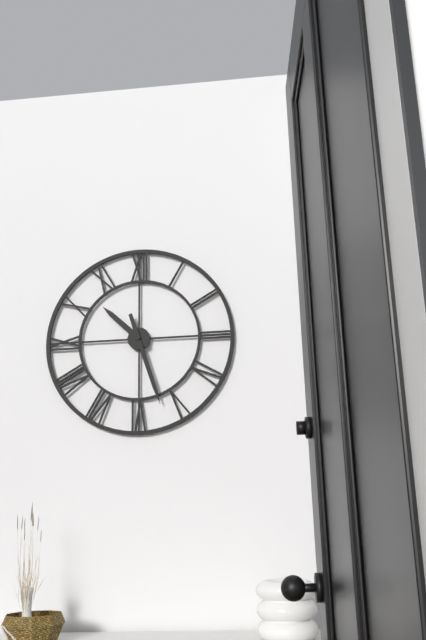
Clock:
h=10 m=27
